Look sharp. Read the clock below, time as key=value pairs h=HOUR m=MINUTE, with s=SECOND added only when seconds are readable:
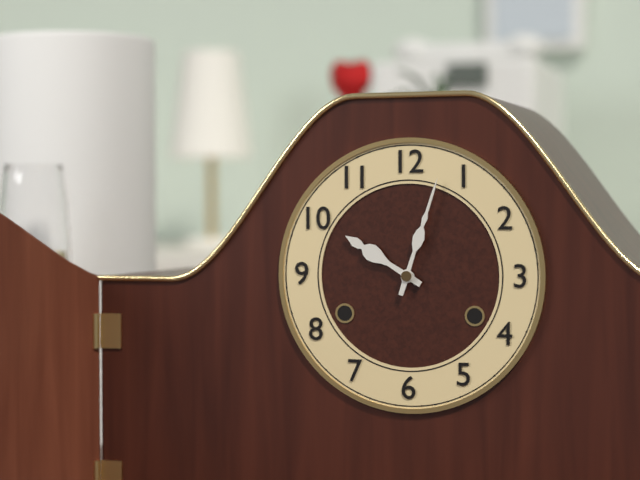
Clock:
h=10 m=3
